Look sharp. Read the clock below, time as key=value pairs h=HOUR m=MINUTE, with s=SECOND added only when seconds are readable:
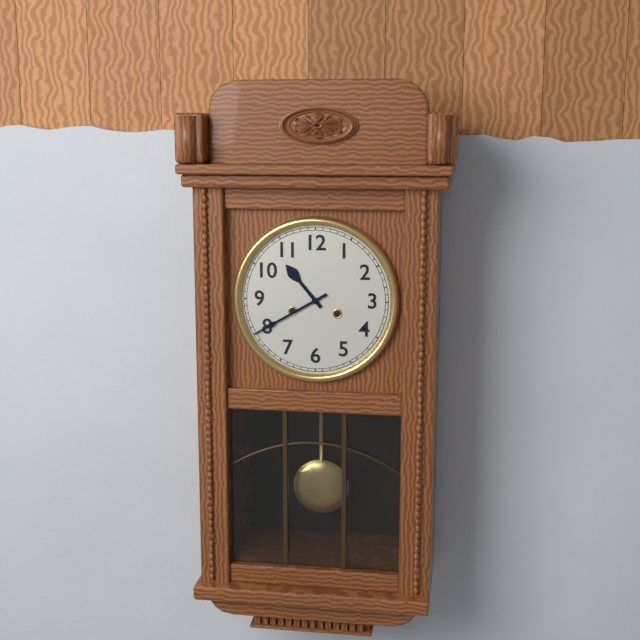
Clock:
h=10 m=40
